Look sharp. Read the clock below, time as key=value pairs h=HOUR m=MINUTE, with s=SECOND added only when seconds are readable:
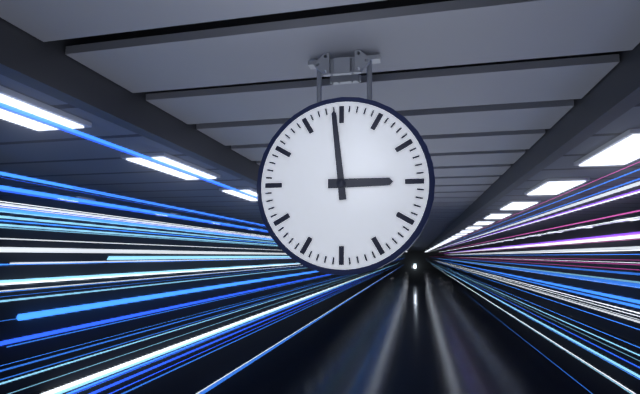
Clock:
h=2 m=59
